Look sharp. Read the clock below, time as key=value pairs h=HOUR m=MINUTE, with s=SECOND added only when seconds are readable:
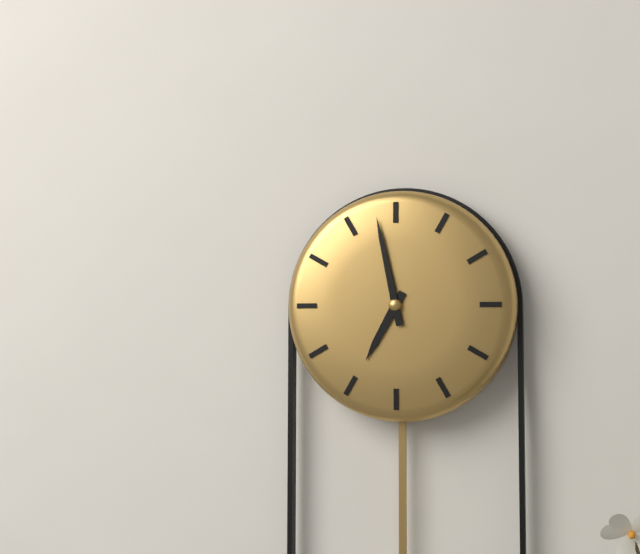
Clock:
h=6 m=58
